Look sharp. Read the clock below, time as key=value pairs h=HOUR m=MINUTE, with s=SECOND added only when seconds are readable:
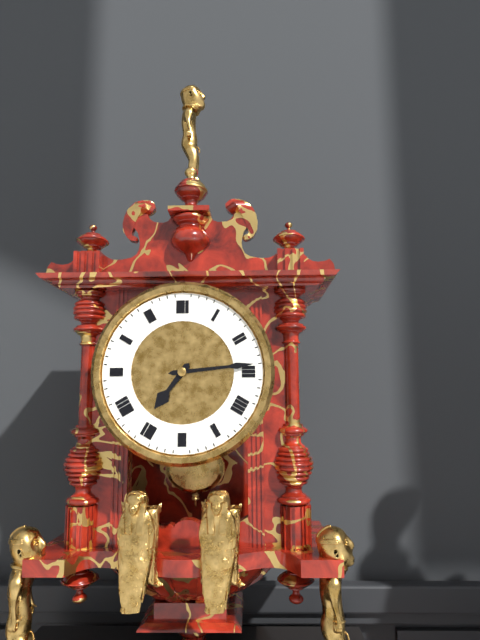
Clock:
h=7 m=14
